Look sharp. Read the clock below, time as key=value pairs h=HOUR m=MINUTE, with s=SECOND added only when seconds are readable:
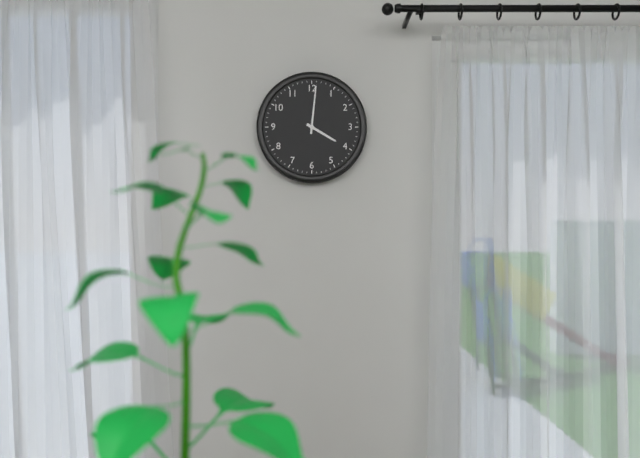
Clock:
h=4 m=1
